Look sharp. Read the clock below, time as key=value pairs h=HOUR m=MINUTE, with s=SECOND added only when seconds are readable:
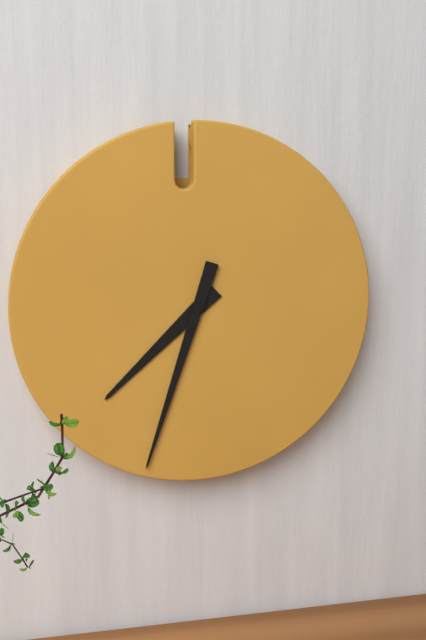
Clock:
h=7 m=33
